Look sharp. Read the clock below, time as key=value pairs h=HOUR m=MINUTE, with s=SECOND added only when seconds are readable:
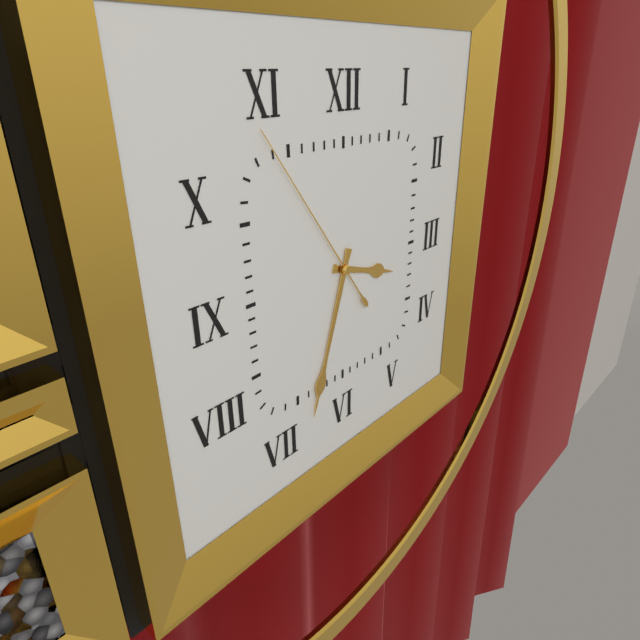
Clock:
h=3 m=33 s=54
